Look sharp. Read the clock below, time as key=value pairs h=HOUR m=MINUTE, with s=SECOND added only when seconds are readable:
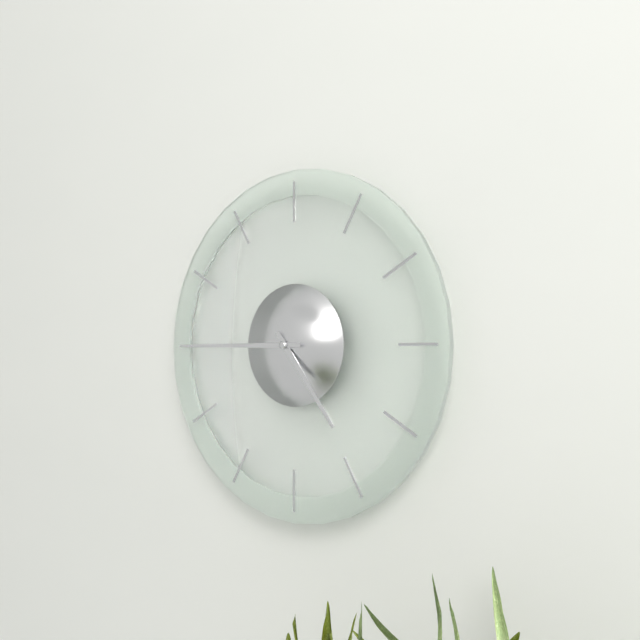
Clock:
h=4 m=45
